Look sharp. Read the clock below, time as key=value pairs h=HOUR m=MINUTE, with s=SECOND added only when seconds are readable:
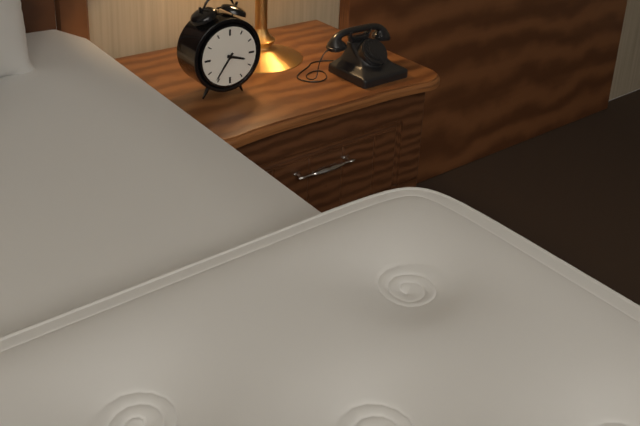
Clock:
h=3 m=36
